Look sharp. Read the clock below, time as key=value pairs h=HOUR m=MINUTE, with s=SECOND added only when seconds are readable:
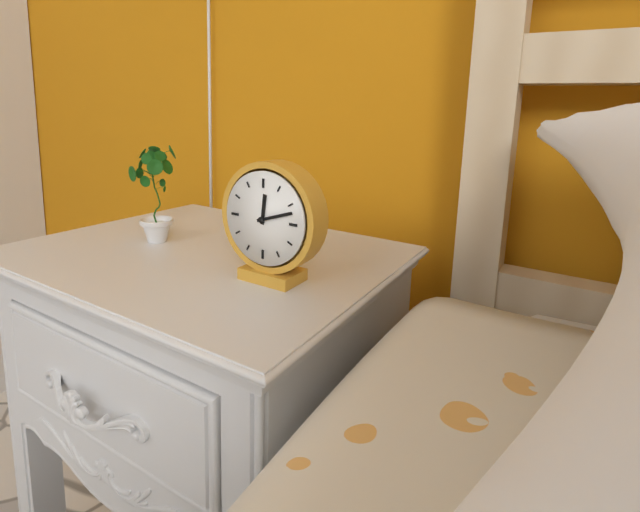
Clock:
h=12 m=12
